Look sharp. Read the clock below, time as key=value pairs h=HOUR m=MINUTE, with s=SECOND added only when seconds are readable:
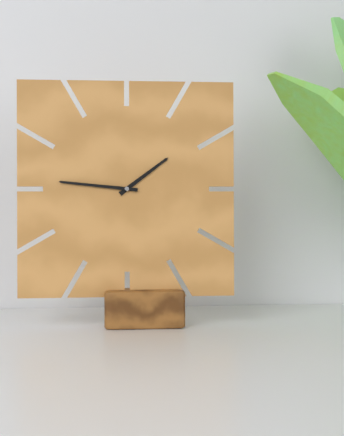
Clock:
h=1 m=46
